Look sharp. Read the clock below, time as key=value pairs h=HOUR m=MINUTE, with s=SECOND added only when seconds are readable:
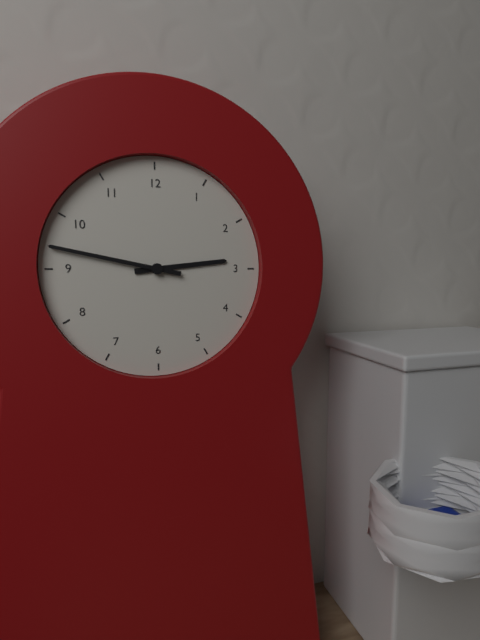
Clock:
h=2 m=47
